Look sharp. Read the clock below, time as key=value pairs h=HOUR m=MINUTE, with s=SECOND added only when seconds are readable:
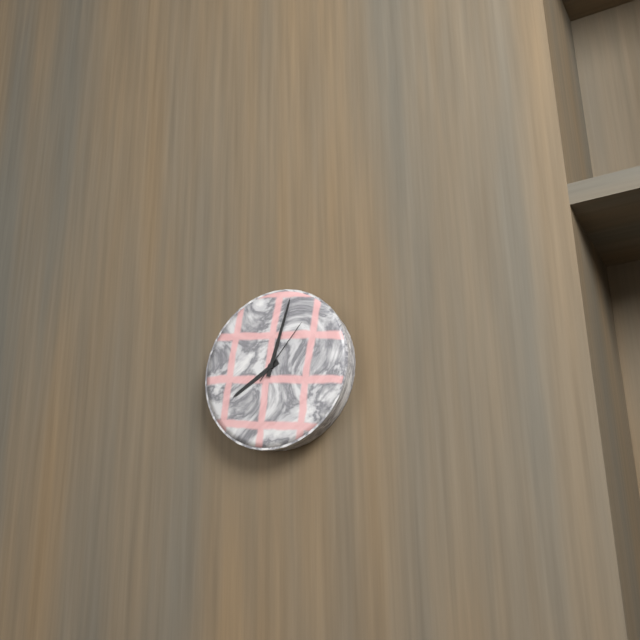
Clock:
h=8 m=3 s=7
